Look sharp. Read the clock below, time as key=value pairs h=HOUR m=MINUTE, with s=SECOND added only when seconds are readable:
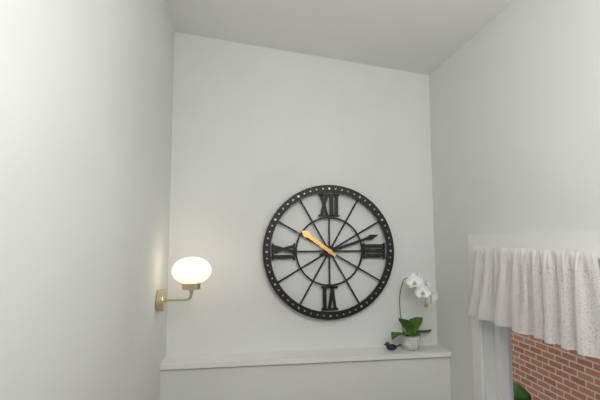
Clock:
h=10 m=12
